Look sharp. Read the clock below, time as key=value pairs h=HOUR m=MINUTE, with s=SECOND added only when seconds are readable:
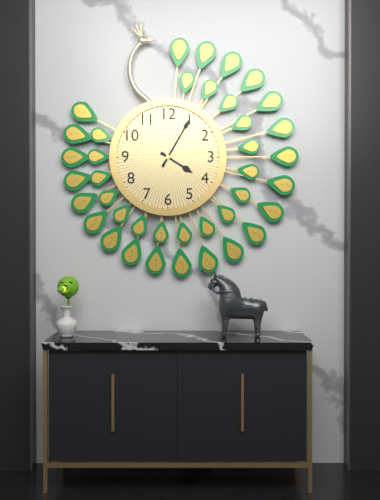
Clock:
h=4 m=5
